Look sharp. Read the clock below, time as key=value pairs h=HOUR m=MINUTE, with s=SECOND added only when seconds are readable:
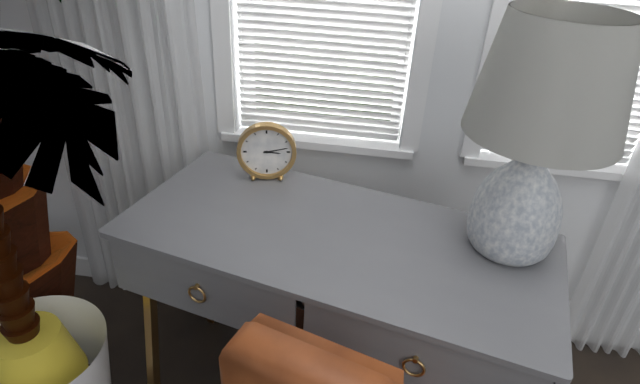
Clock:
h=3 m=13
